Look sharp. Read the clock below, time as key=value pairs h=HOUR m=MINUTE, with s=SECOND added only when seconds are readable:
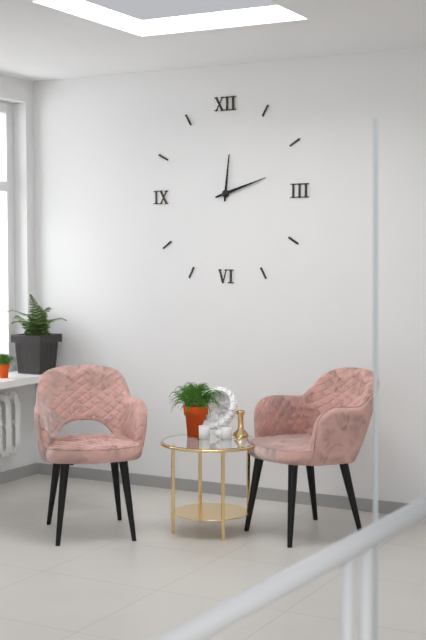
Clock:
h=12 m=12
